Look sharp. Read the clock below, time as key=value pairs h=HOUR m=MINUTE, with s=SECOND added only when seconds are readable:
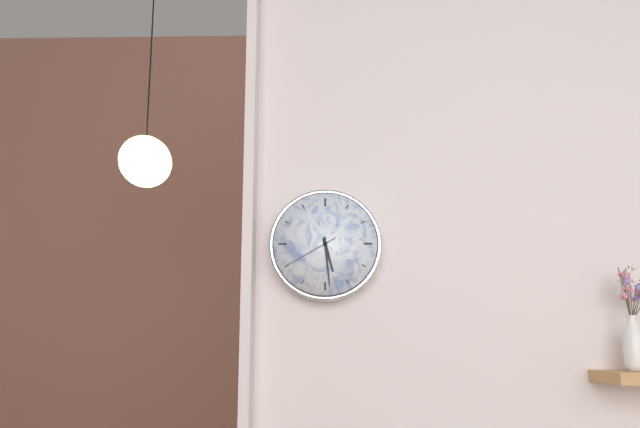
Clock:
h=5 m=29 s=40
